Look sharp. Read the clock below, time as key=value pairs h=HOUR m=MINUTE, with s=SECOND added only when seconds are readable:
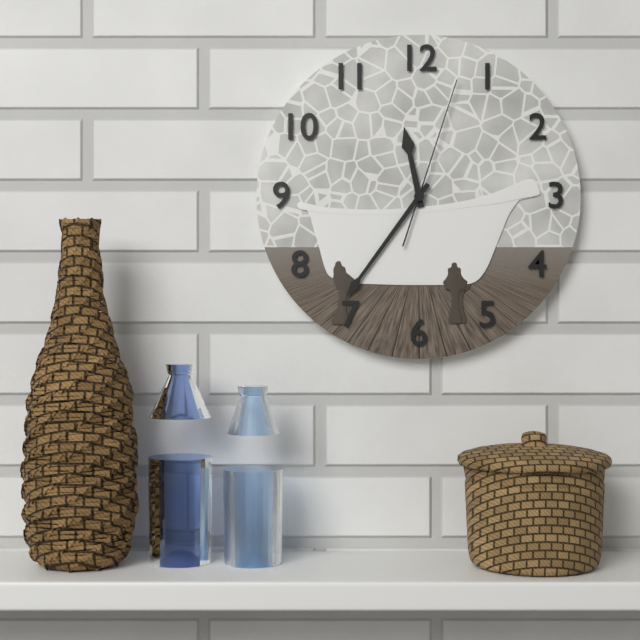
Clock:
h=11 m=36 s=3
